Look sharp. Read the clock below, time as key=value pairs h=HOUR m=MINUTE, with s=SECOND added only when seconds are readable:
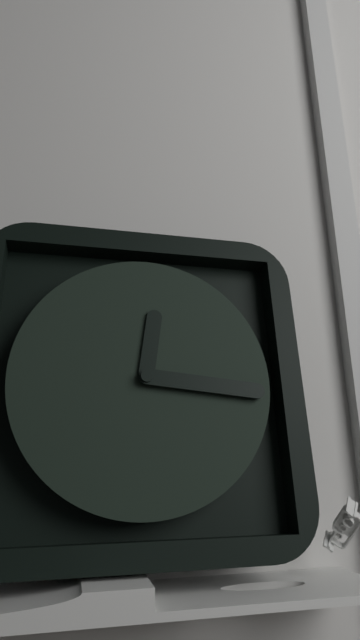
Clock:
h=12 m=16
